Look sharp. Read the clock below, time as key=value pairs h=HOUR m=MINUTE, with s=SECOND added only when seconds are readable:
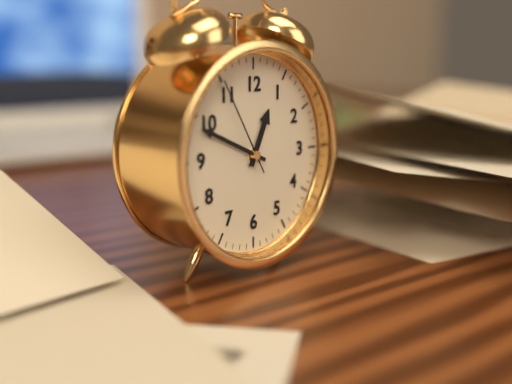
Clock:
h=12 m=49 s=55
